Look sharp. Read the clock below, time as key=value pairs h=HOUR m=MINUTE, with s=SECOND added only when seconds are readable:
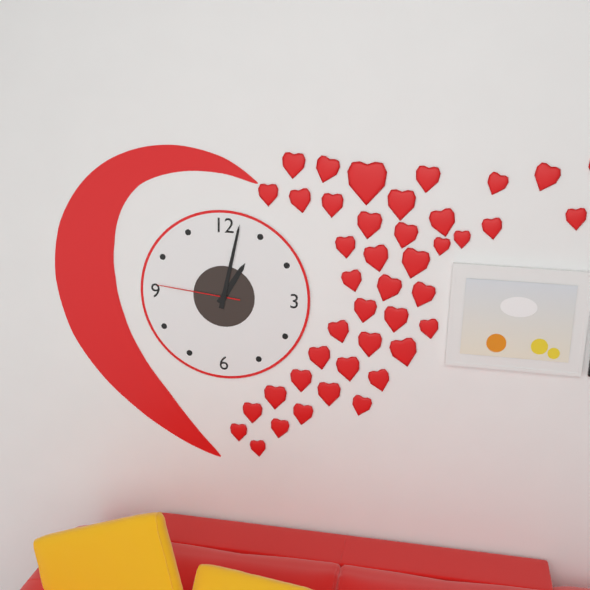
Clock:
h=1 m=2 s=46
